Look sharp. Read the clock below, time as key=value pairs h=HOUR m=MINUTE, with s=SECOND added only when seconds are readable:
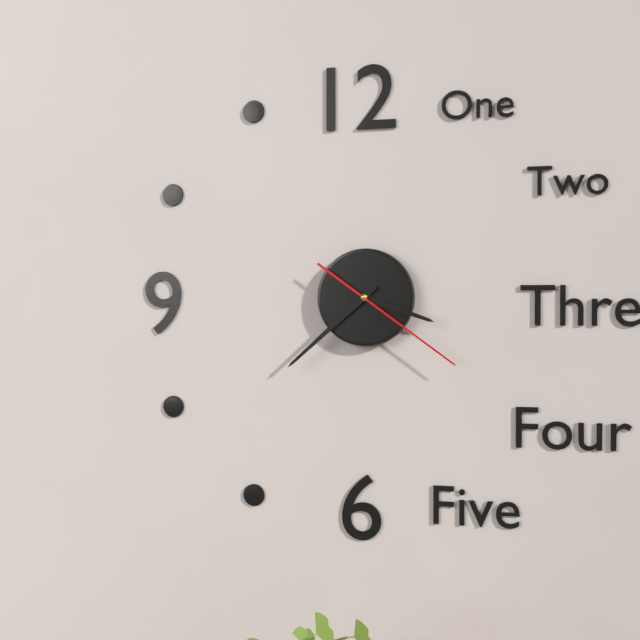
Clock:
h=3 m=38 s=21
